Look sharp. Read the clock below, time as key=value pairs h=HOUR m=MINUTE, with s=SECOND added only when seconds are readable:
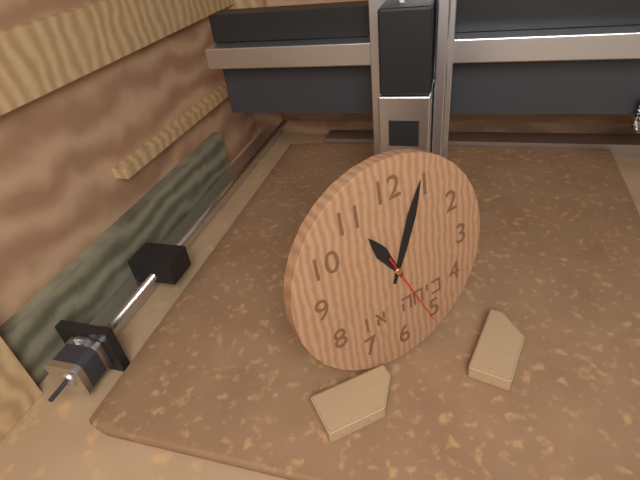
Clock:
h=11 m=4 s=26
